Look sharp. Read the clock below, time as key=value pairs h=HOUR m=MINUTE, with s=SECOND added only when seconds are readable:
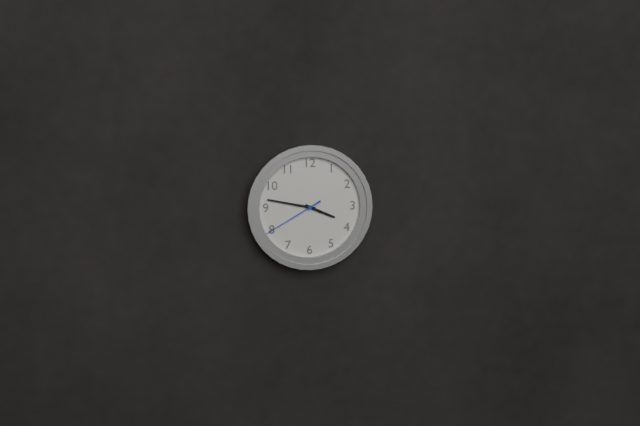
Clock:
h=3 m=47 s=40
